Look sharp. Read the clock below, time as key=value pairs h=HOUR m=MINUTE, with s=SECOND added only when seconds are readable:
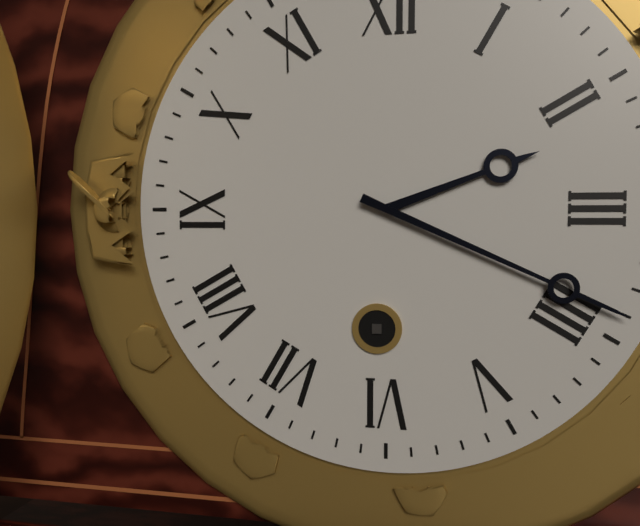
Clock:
h=2 m=19
